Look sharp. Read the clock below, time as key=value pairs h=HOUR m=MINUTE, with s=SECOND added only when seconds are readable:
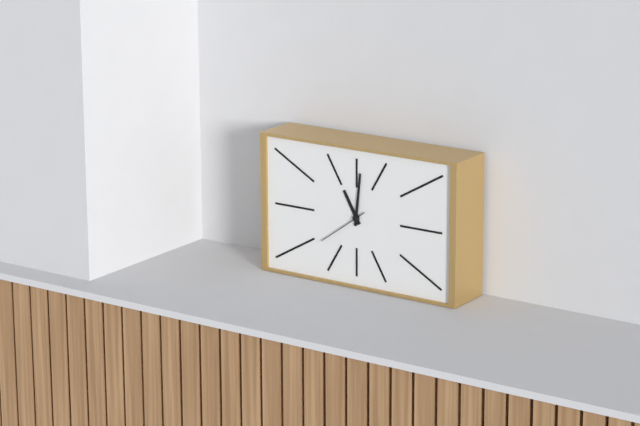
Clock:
h=11 m=1 s=39
